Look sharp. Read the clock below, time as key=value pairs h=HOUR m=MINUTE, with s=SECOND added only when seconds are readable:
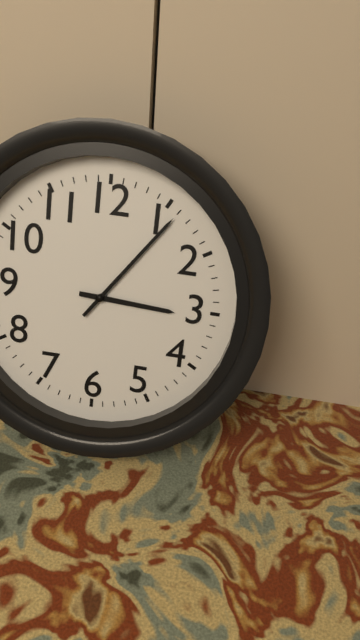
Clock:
h=3 m=6
